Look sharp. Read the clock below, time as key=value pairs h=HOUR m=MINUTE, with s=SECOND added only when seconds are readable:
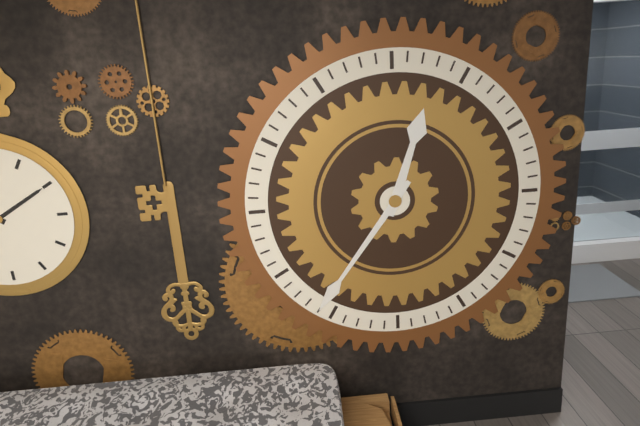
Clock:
h=12 m=36
